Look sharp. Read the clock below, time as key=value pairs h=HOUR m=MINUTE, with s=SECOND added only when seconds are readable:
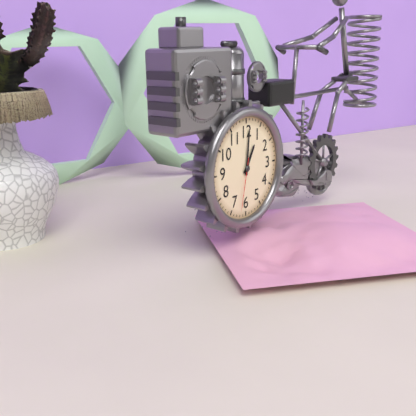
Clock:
h=1 m=1 s=32
